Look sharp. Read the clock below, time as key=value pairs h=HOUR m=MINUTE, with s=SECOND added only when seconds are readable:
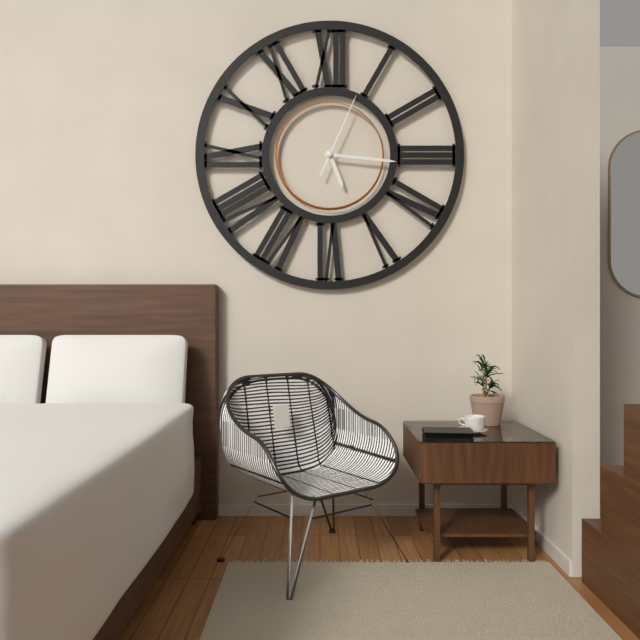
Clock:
h=5 m=16 s=4
